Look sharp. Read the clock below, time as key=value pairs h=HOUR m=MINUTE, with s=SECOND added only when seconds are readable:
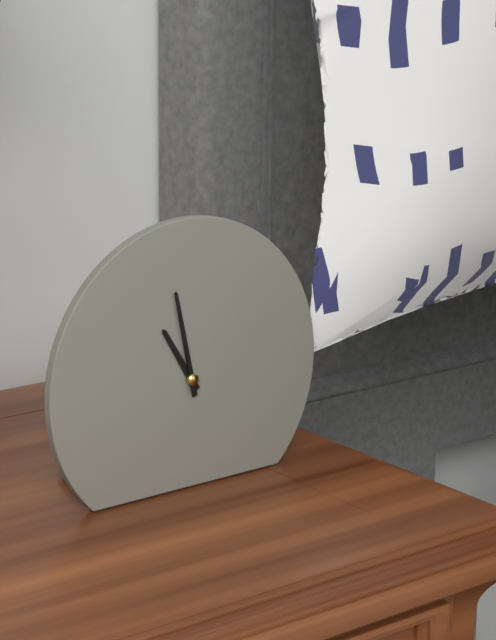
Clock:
h=10 m=58
